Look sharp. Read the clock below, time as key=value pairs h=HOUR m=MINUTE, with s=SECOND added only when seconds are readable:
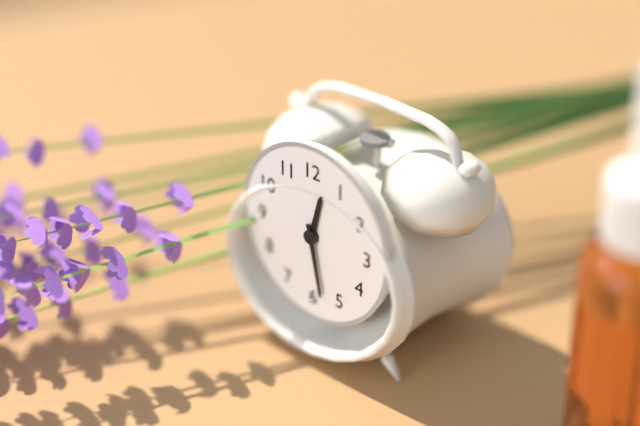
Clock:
h=12 m=28
